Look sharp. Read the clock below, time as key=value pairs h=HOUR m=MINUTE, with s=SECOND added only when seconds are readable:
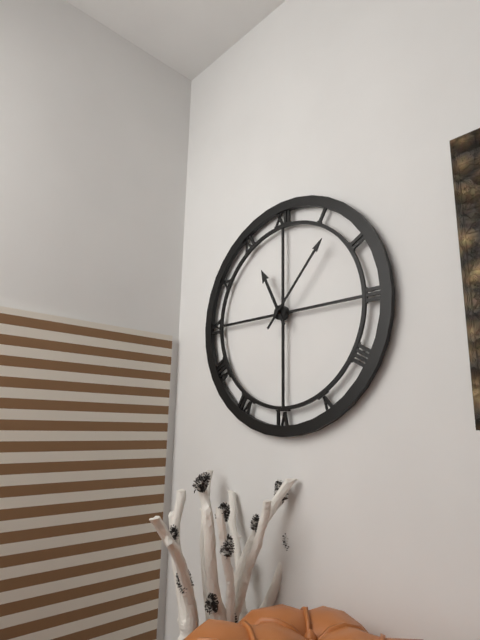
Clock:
h=11 m=7
